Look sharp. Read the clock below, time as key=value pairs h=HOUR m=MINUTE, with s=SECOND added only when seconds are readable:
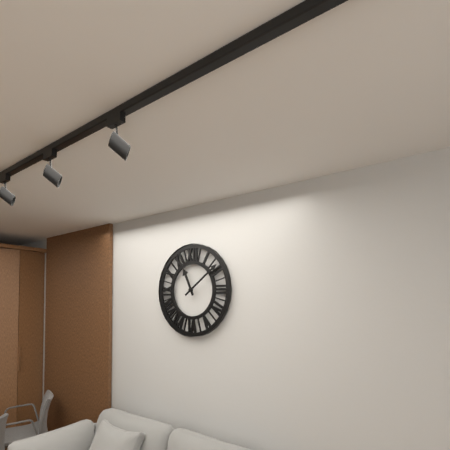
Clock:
h=11 m=9
